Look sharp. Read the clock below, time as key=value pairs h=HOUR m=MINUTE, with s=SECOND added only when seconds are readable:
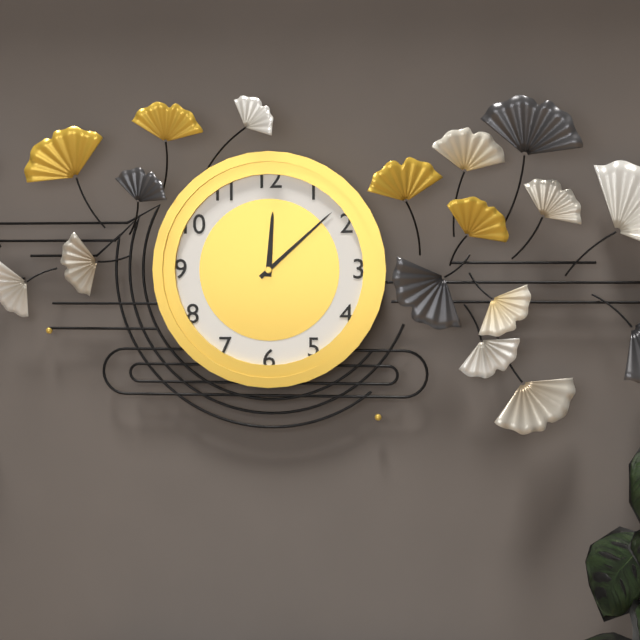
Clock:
h=12 m=8
